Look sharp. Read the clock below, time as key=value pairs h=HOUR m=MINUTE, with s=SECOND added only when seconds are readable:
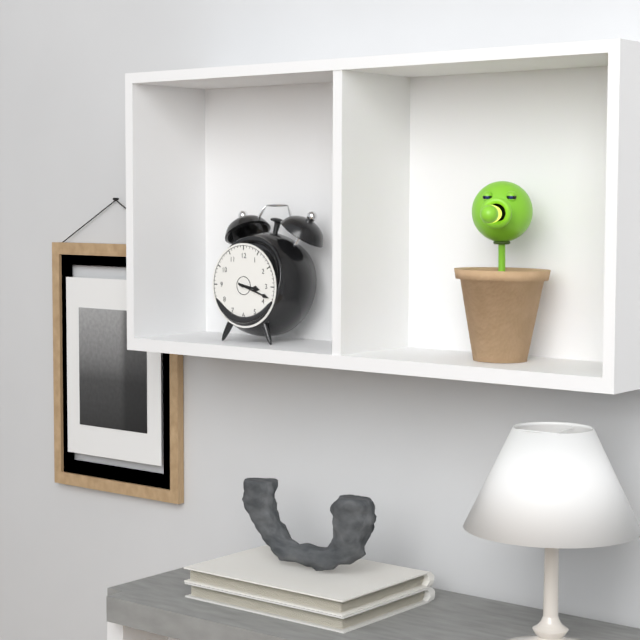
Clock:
h=3 m=18
